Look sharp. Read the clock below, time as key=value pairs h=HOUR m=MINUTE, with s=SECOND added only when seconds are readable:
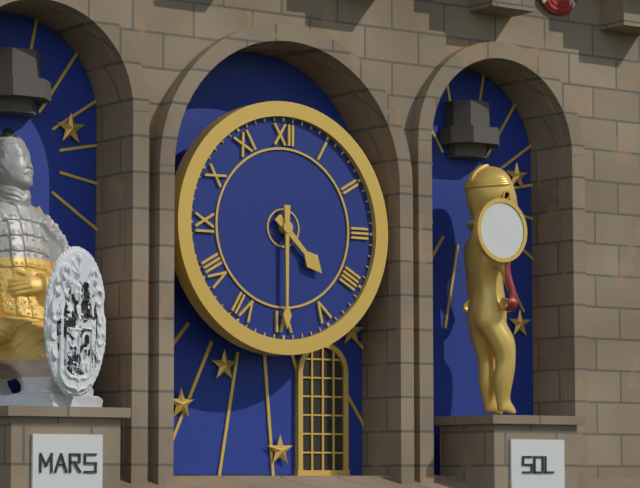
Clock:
h=4 m=30
